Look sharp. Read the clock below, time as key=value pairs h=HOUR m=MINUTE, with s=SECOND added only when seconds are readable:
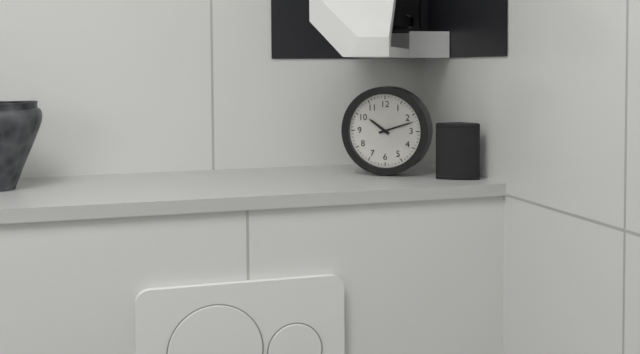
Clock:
h=10 m=12
